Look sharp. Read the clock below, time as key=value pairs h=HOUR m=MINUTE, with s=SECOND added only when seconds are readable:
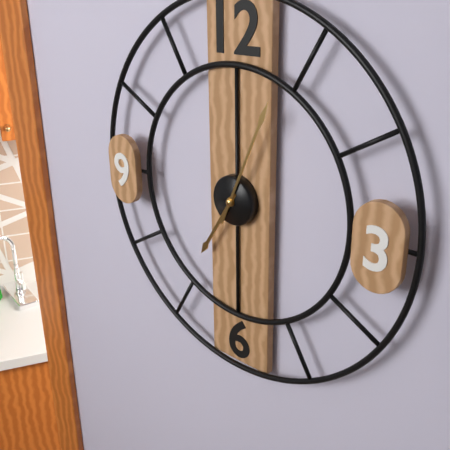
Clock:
h=7 m=4
